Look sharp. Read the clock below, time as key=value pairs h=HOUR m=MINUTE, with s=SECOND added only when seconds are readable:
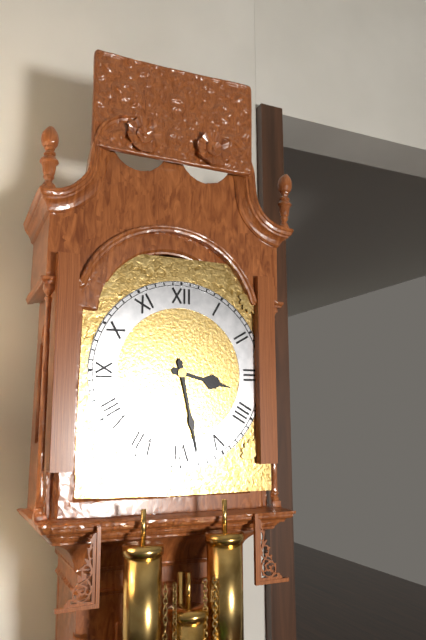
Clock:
h=3 m=28
